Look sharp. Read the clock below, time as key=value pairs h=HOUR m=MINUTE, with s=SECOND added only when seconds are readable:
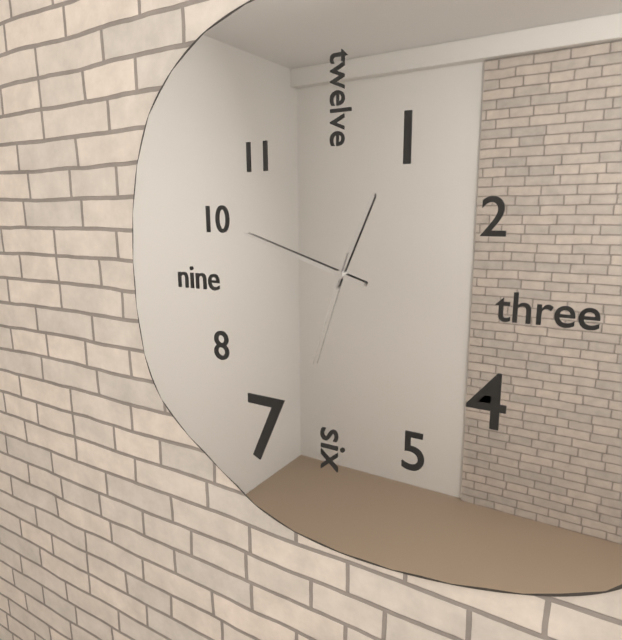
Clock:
h=12 m=48 s=33
